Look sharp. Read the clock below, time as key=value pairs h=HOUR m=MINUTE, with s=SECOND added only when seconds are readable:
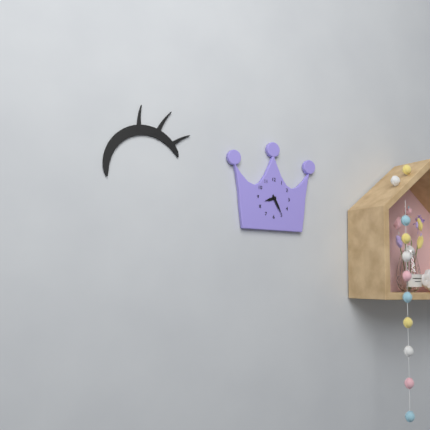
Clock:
h=8 m=25
